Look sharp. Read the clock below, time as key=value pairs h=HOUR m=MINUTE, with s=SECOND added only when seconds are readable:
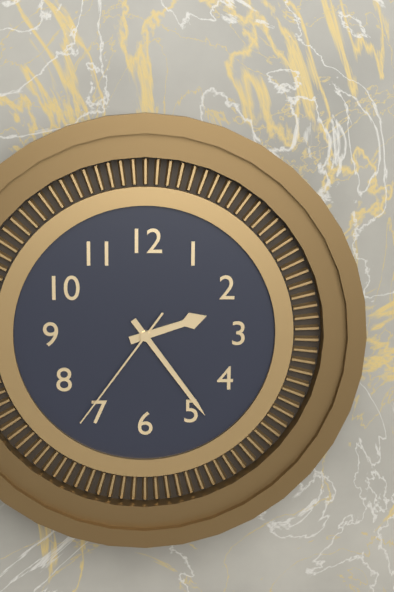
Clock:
h=2 m=24 s=36
